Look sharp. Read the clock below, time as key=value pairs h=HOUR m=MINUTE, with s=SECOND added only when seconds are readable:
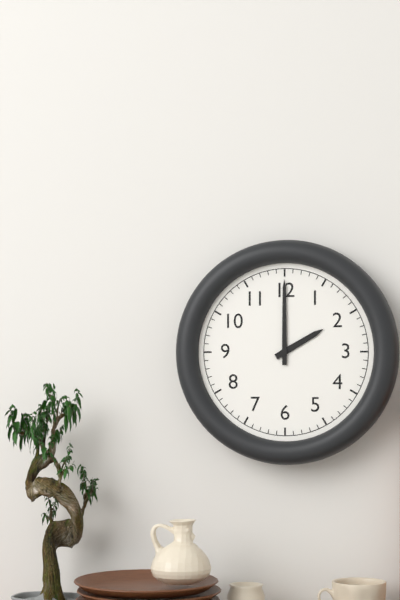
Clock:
h=2 m=0
